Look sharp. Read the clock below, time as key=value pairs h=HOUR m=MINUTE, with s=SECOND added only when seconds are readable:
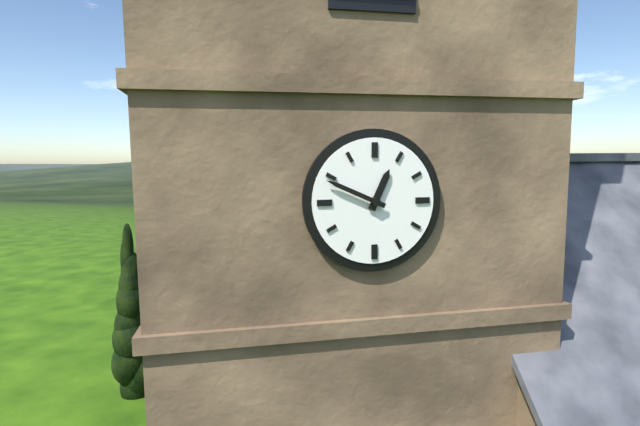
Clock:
h=12 m=49
